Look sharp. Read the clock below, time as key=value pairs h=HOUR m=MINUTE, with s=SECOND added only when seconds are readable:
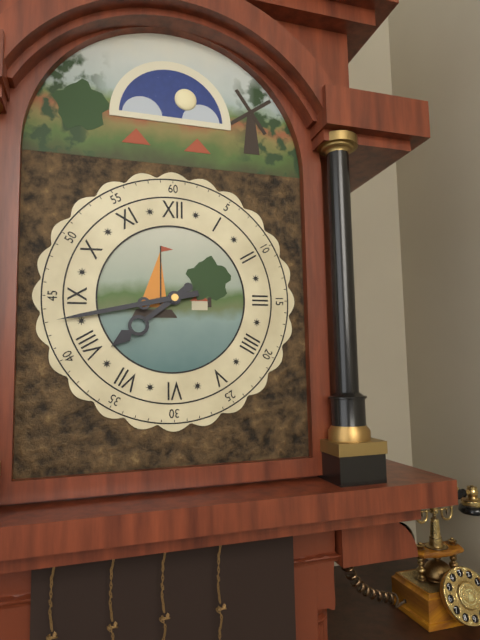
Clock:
h=7 m=43
